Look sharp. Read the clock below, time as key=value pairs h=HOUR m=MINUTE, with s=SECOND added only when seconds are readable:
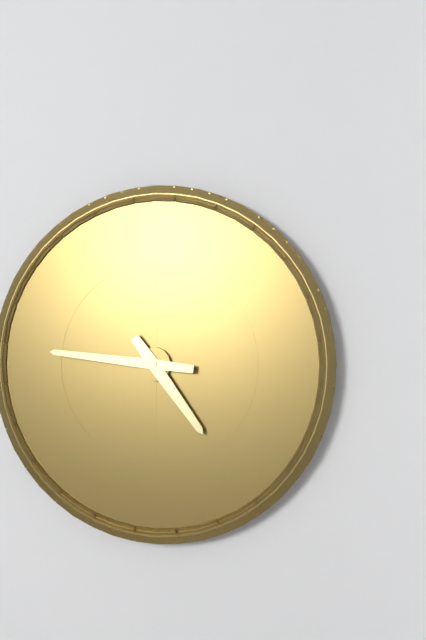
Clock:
h=4 m=46
